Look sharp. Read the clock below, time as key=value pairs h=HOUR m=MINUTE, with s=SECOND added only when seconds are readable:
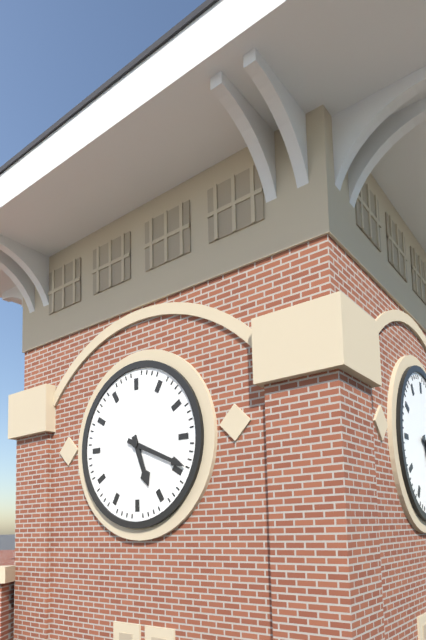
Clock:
h=5 m=19
